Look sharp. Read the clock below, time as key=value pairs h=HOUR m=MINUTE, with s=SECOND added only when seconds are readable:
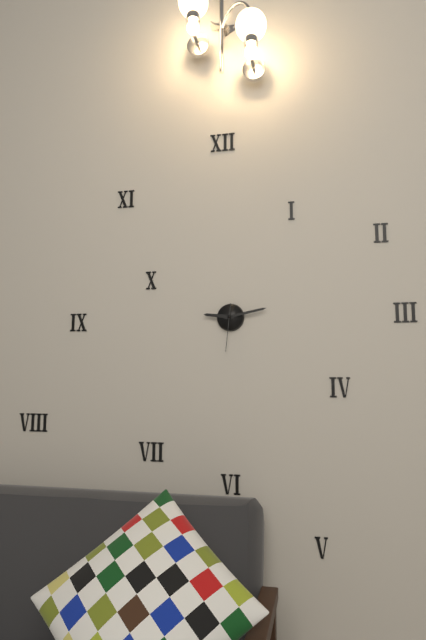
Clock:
h=9 m=13
